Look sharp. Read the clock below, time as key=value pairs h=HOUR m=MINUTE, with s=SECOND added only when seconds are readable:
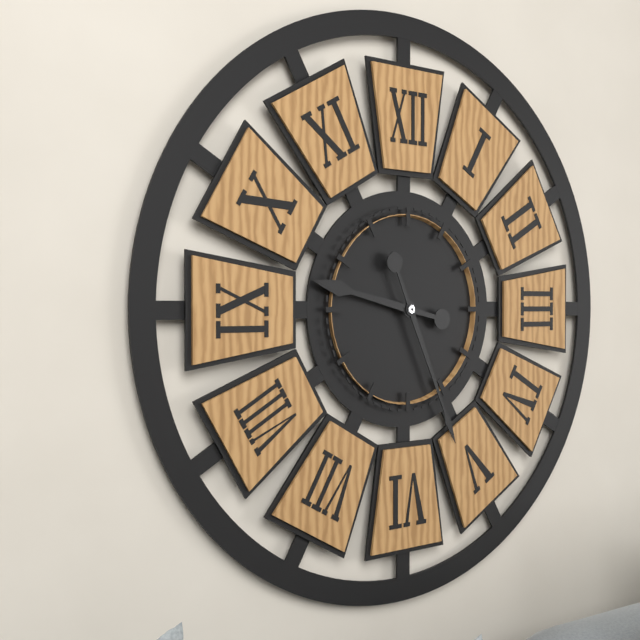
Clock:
h=9 m=26
